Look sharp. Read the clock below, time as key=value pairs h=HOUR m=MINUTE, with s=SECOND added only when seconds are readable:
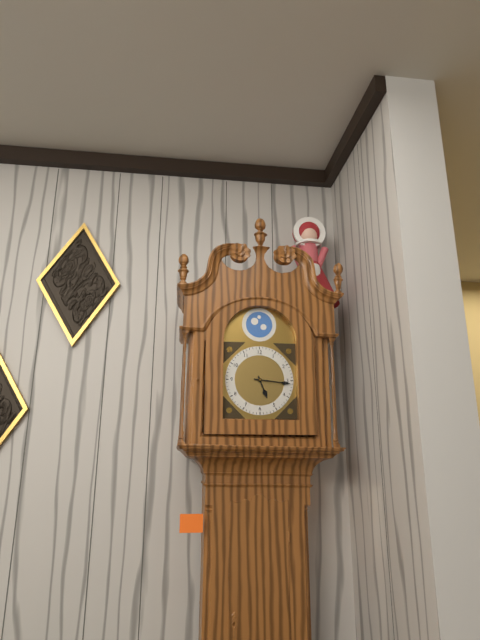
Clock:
h=5 m=16
